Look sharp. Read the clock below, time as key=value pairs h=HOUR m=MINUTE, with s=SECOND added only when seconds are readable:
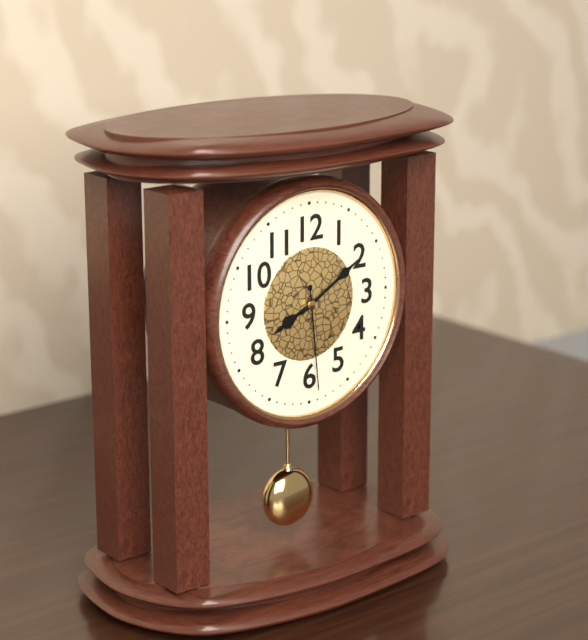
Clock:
h=8 m=10 s=29
